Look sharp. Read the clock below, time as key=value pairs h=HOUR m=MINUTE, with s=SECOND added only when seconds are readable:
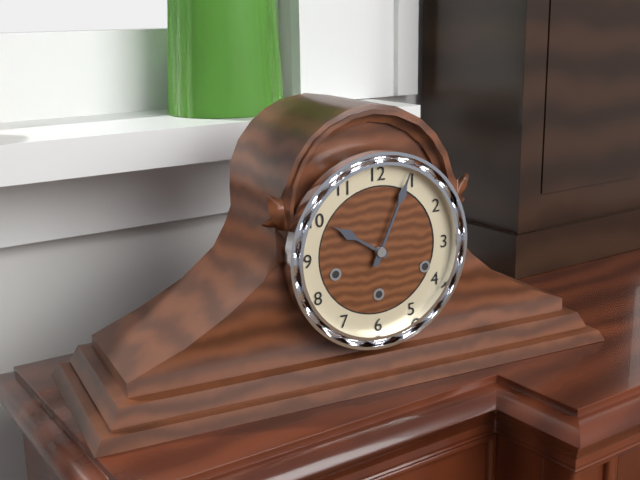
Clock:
h=10 m=4
